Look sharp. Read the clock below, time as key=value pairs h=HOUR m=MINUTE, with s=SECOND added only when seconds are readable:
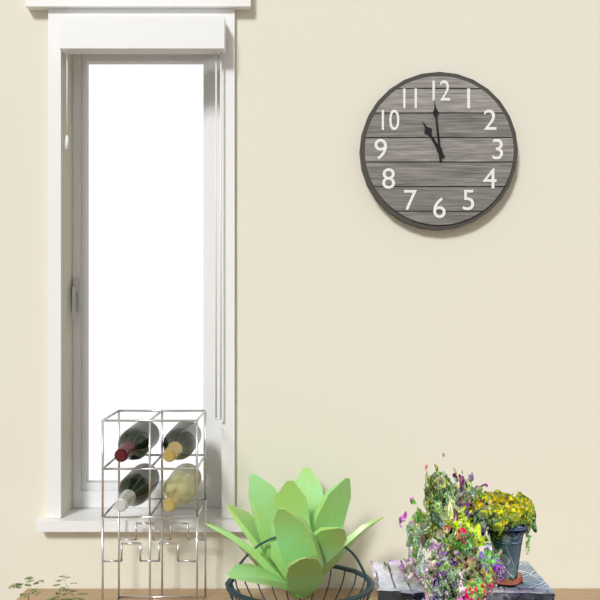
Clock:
h=10 m=59
